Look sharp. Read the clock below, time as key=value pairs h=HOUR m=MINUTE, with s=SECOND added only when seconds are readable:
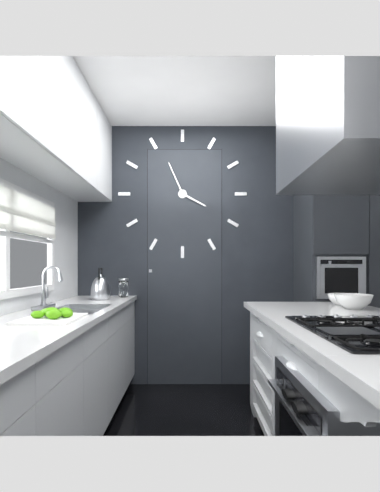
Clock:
h=3 m=56
